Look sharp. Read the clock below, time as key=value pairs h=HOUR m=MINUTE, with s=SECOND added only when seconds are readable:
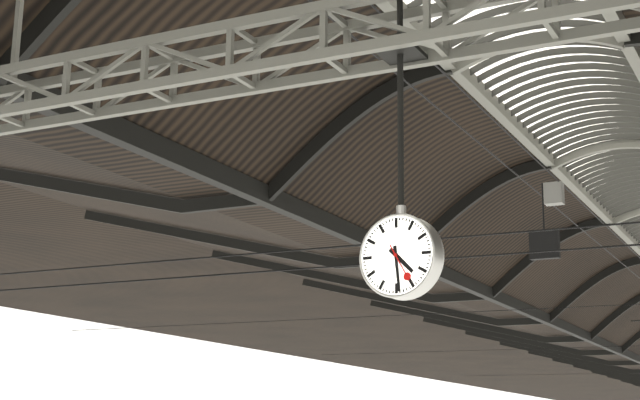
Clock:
h=4 m=29
